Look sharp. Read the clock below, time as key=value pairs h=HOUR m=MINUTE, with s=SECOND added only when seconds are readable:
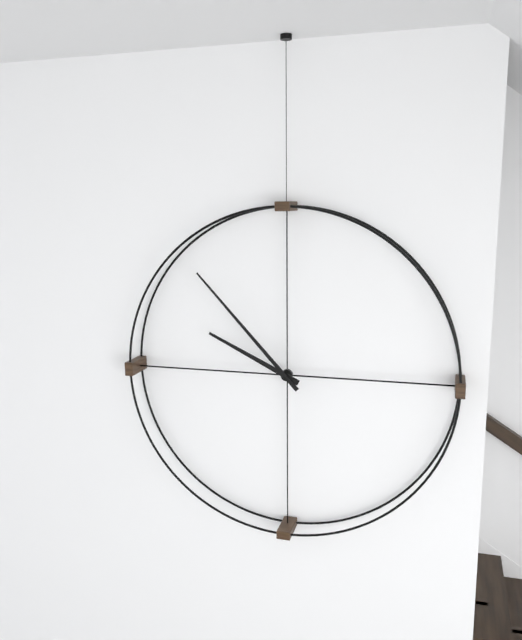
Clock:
h=9 m=53
